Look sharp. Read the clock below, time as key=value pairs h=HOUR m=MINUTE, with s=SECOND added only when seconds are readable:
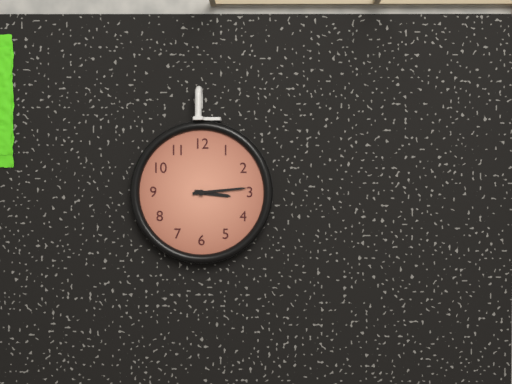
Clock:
h=3 m=14
